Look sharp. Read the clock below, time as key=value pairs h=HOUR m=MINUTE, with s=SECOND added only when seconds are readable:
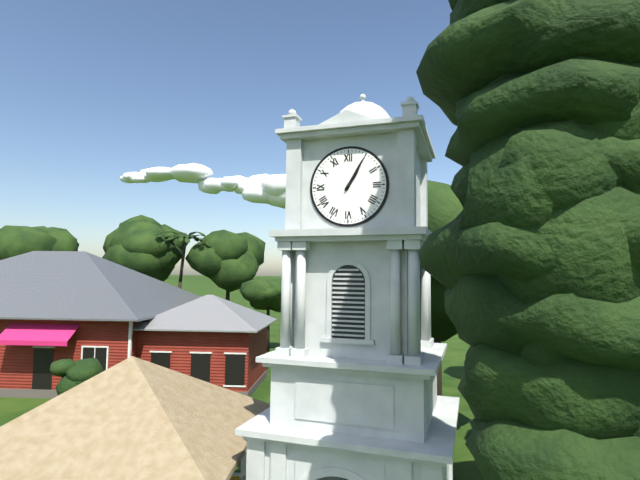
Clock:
h=1 m=5
